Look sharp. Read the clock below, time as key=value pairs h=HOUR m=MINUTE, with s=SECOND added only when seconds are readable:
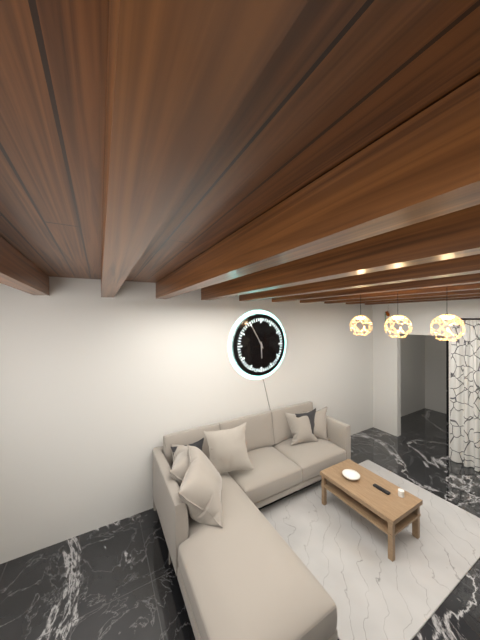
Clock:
h=5 m=55
